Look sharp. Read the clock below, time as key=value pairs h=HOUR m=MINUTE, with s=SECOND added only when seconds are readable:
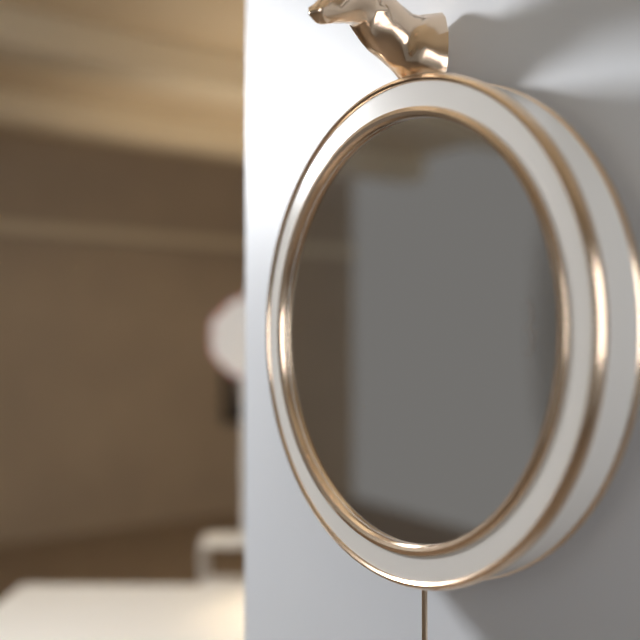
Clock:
h=6 m=17
